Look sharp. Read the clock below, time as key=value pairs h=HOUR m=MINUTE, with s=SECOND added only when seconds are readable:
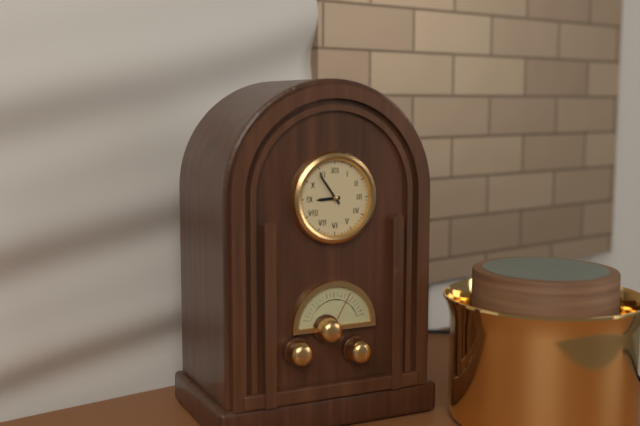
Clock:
h=8 m=54
